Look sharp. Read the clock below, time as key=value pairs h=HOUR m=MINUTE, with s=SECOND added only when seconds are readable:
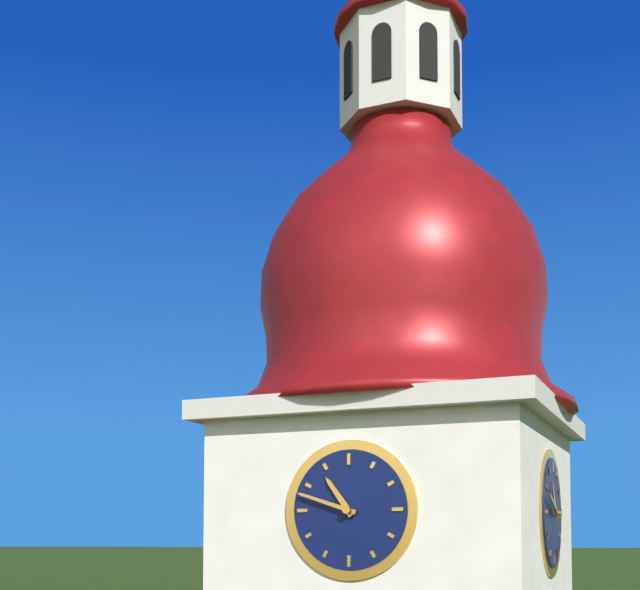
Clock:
h=10 m=48
